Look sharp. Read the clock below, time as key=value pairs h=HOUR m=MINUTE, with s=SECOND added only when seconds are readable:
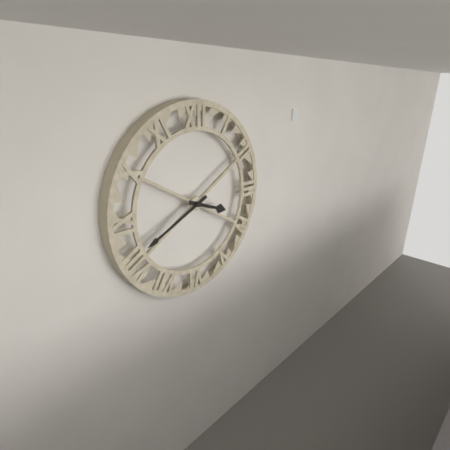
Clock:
h=3 m=41
